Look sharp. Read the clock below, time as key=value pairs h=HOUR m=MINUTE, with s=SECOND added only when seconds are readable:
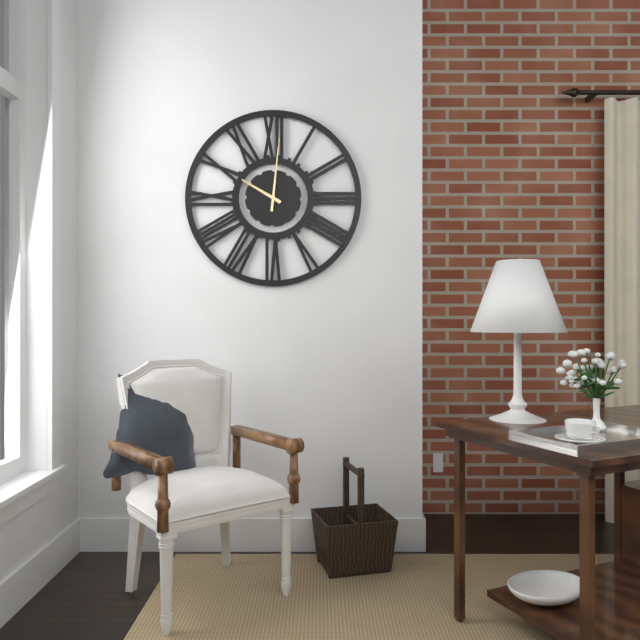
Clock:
h=10 m=1
